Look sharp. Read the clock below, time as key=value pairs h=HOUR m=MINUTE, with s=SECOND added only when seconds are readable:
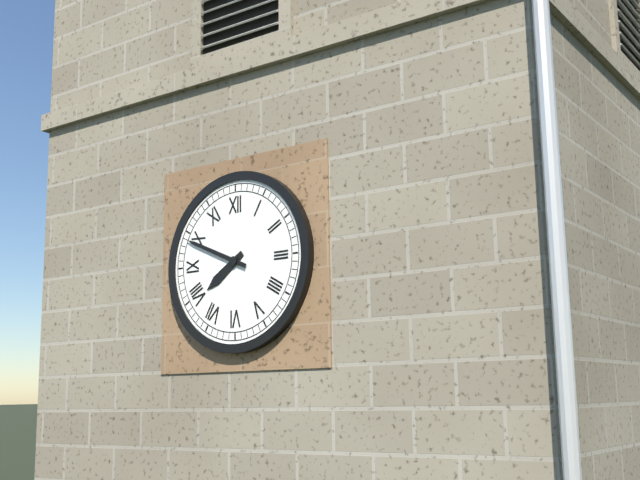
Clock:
h=7 m=49
